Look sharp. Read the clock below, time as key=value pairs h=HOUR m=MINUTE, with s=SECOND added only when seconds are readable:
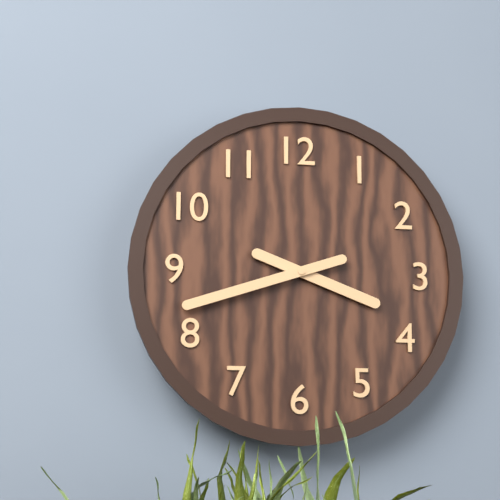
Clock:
h=3 m=42
